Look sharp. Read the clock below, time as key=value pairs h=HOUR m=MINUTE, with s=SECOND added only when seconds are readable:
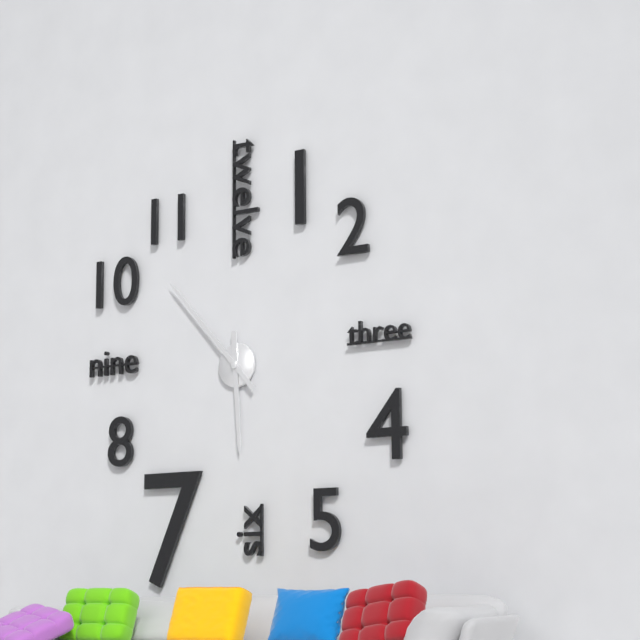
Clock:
h=5 m=53
